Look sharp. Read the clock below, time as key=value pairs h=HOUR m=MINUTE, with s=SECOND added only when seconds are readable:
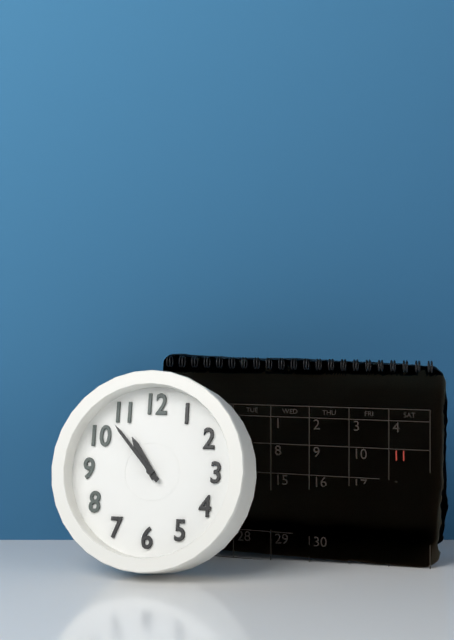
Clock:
h=10 m=53
